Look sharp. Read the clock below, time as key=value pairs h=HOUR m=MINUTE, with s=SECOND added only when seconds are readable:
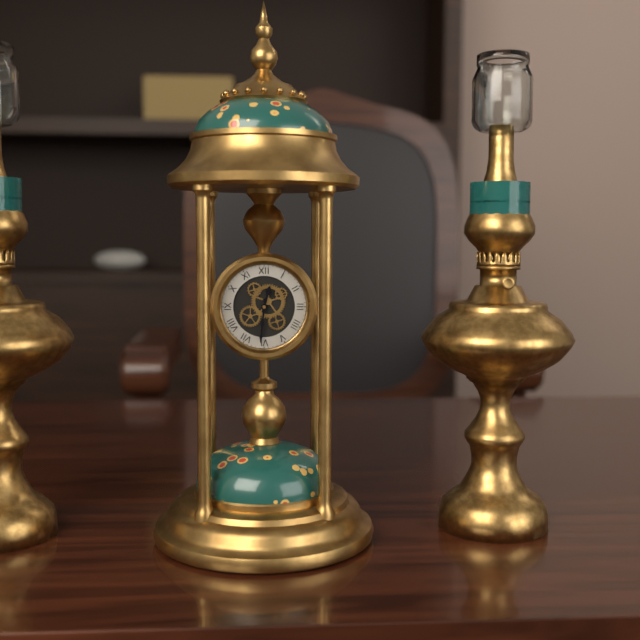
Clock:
h=12 m=31
